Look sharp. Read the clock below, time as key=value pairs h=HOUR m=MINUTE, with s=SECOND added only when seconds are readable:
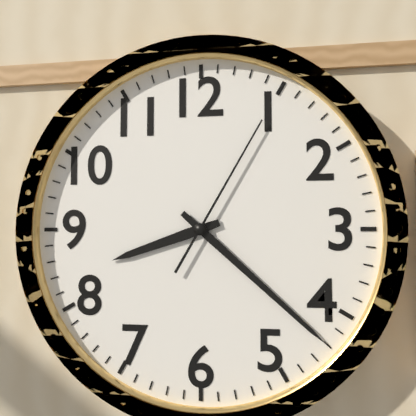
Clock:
h=8 m=22 s=5
